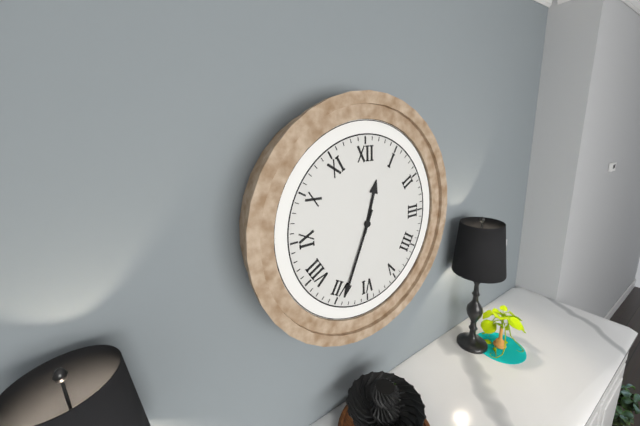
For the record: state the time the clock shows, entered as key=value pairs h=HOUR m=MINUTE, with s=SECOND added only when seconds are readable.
h=12 m=34
